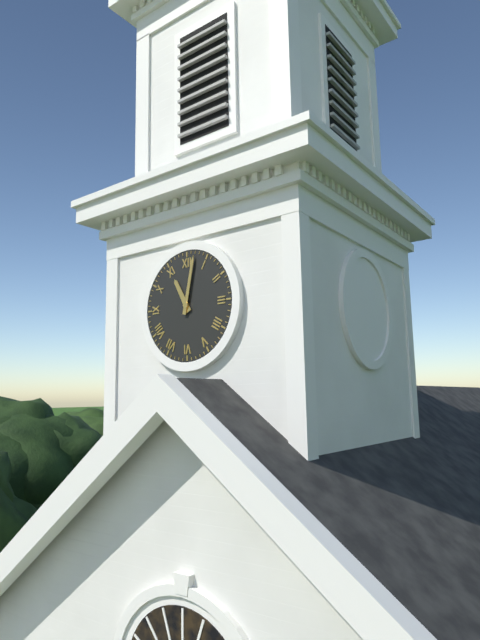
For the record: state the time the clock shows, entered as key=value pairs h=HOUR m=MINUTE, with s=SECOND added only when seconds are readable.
h=11 m=2
